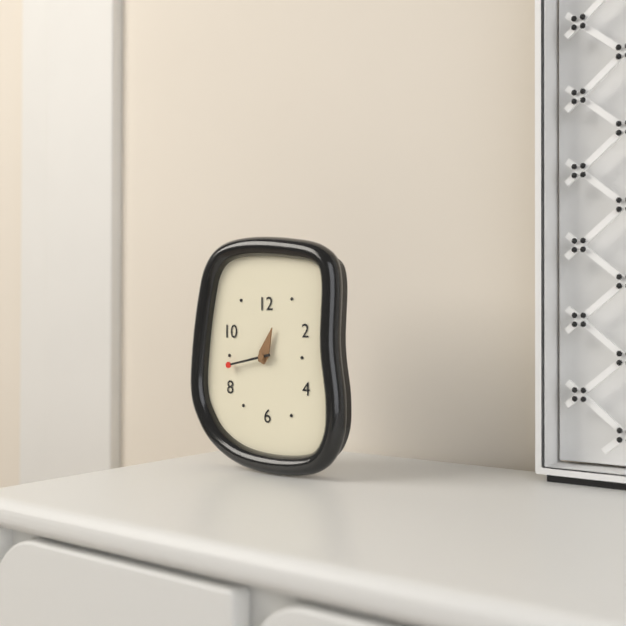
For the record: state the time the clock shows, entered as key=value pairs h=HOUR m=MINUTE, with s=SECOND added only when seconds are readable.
h=12 m=43
